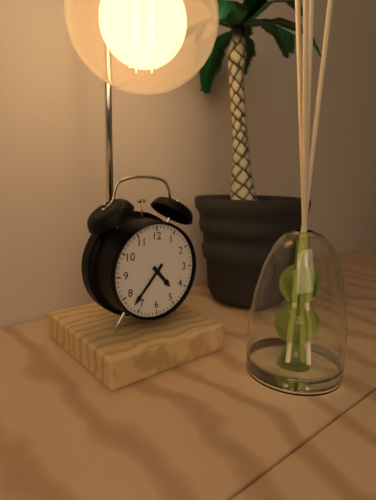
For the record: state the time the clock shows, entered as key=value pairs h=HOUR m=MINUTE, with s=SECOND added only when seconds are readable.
h=4 m=37
